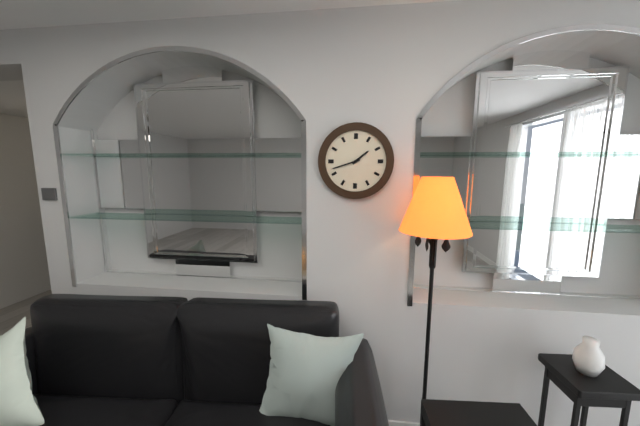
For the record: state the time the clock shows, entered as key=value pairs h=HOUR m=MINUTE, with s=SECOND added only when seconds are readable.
h=1 m=42
